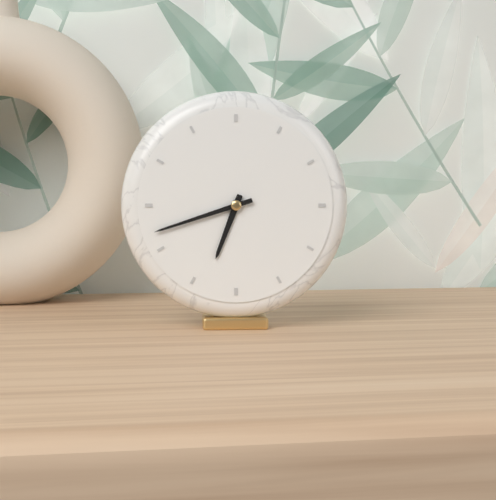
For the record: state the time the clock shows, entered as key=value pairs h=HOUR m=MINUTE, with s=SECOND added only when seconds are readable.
h=6 m=42
